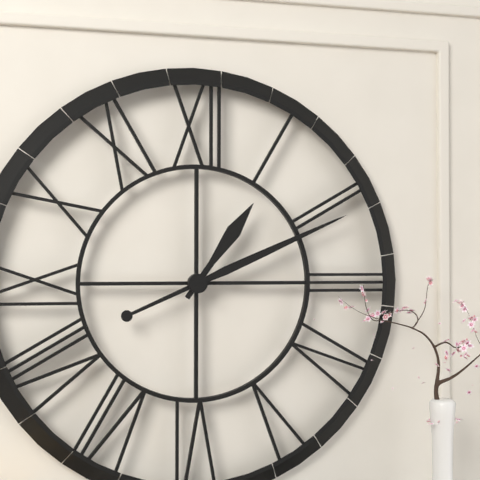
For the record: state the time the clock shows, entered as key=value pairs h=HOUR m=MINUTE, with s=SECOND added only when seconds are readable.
h=1 m=11
